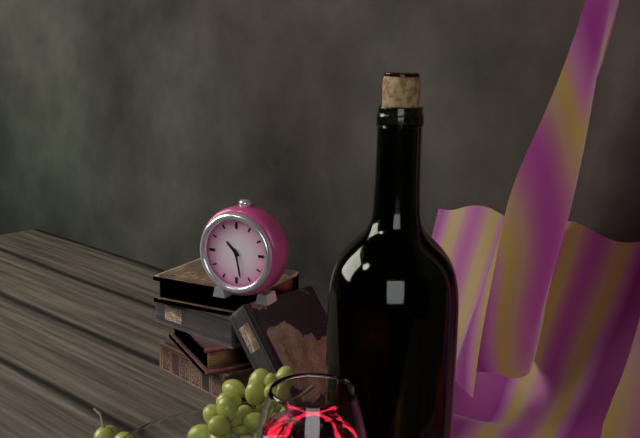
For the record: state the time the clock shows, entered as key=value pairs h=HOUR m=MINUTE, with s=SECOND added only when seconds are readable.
h=10 m=28
